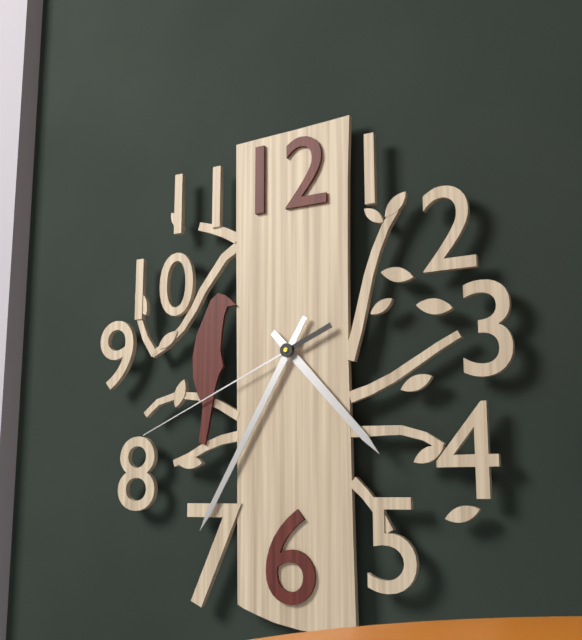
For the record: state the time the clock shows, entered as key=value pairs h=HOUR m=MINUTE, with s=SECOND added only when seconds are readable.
h=4 m=35 s=41
